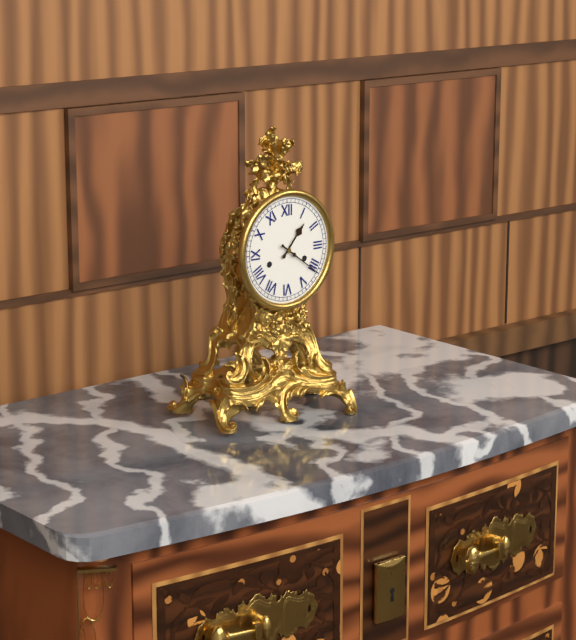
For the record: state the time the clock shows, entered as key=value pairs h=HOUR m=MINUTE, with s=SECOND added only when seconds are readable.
h=1 m=21
